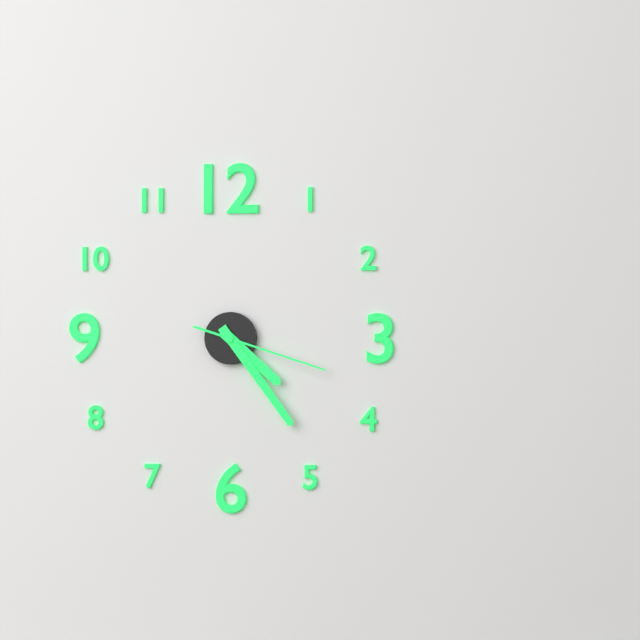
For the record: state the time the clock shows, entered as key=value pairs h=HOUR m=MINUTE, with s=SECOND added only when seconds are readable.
h=4 m=24 s=18
